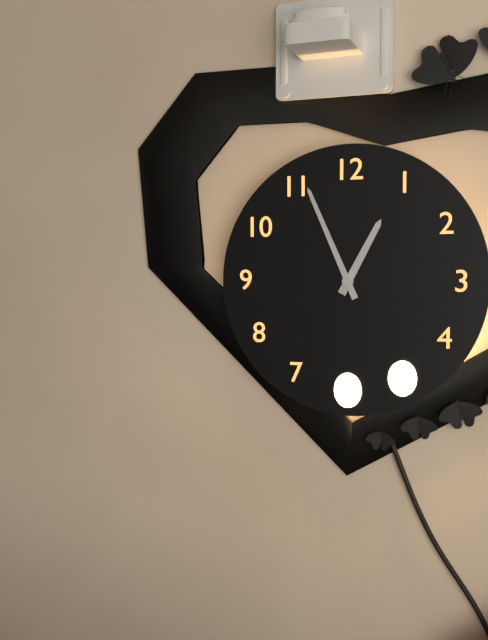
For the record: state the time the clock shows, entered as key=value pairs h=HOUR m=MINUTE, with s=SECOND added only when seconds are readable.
h=12 m=56
